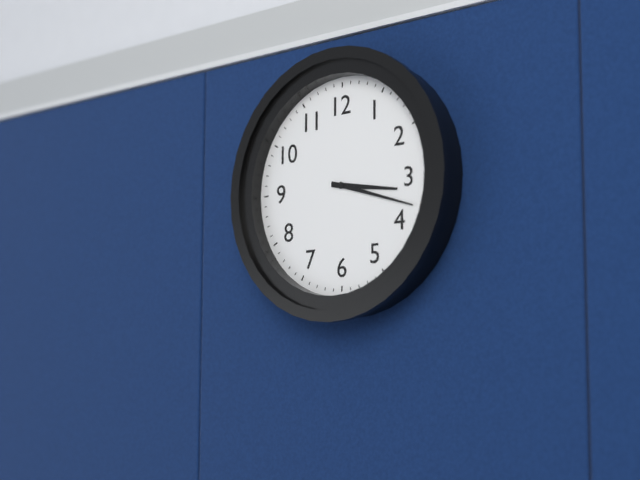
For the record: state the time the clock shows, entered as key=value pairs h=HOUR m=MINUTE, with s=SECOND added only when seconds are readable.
h=3 m=18
